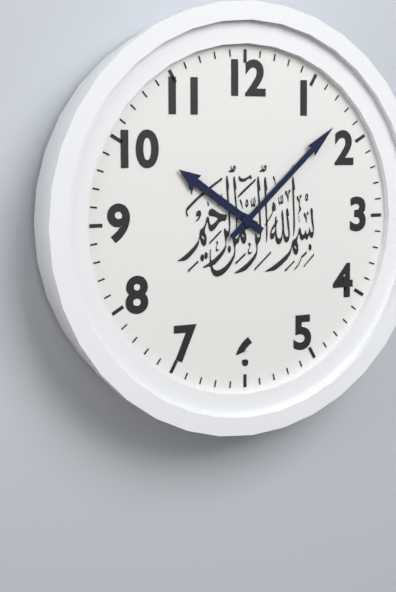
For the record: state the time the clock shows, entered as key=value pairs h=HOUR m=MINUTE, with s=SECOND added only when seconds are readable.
h=10 m=8
